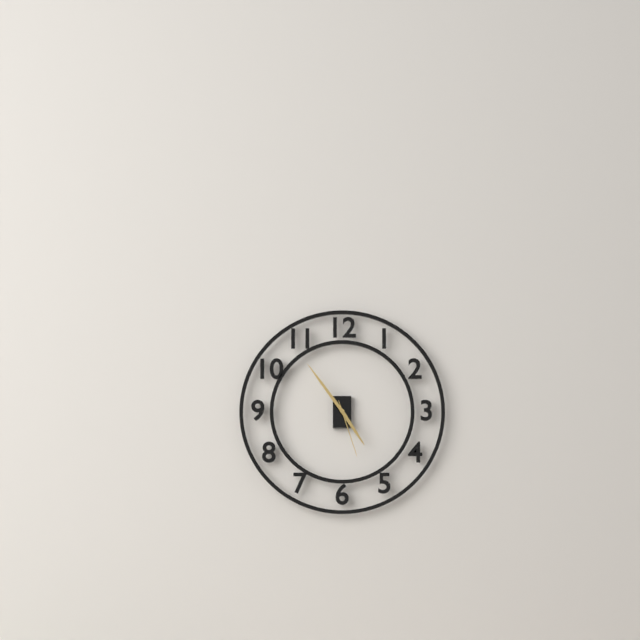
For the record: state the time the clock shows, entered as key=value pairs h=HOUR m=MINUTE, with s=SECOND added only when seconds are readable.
h=4 m=54 s=27
